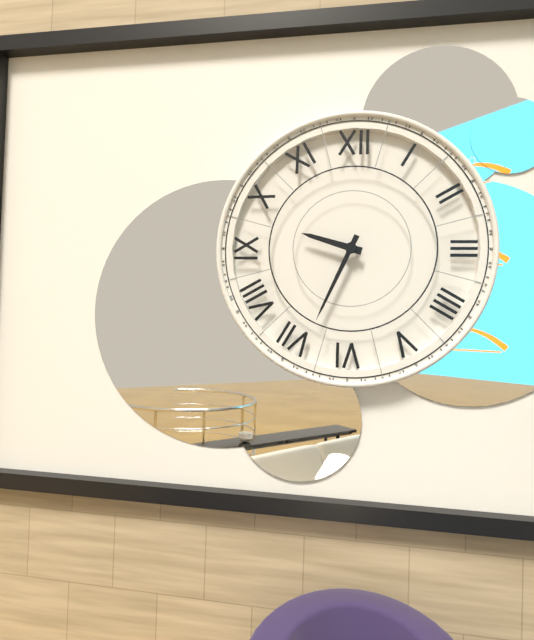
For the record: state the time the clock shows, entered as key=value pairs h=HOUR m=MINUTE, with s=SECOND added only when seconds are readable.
h=9 m=34
